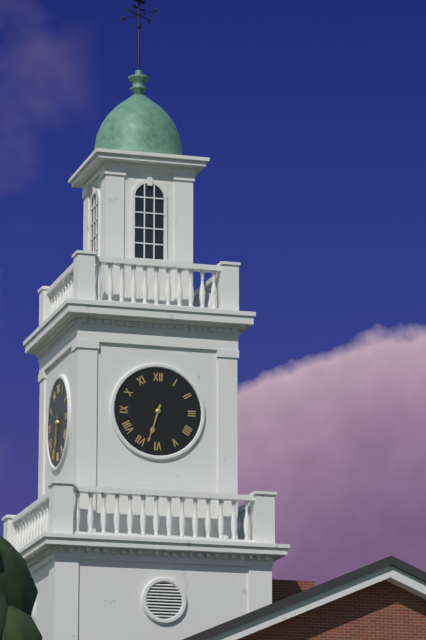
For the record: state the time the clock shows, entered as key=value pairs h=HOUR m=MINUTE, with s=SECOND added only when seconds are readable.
h=6 m=33
